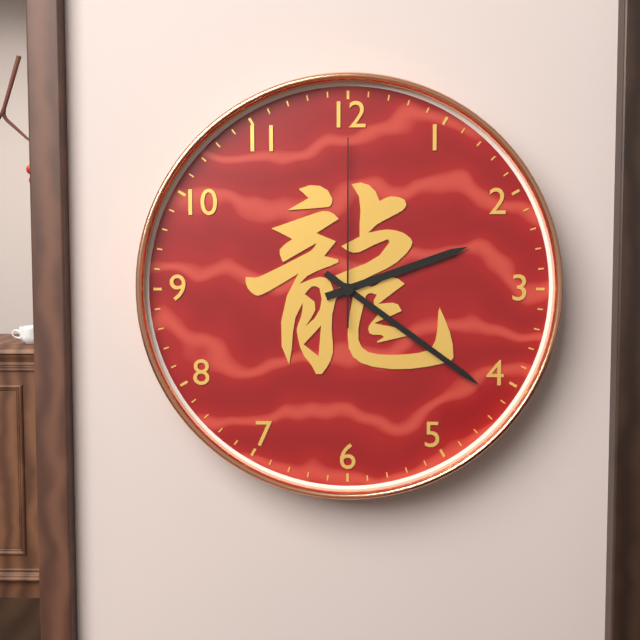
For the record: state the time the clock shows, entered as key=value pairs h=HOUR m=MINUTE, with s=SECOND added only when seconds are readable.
h=2 m=21 s=0
